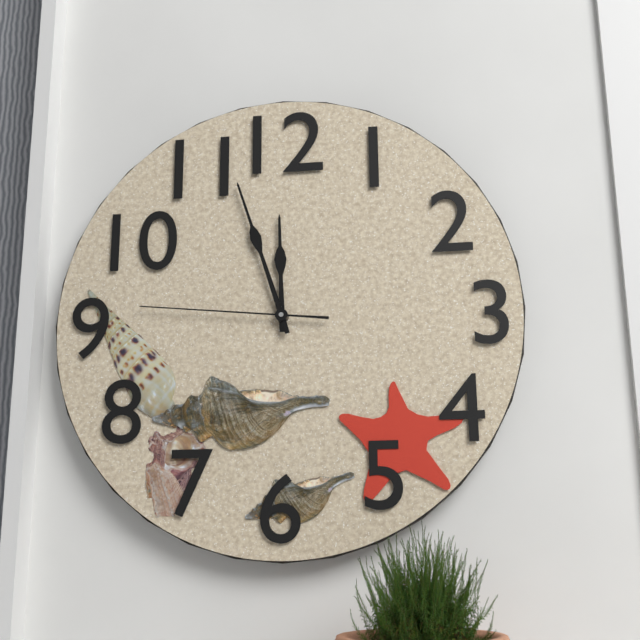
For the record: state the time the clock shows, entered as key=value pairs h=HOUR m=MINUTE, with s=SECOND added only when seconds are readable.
h=11 m=57 s=46
